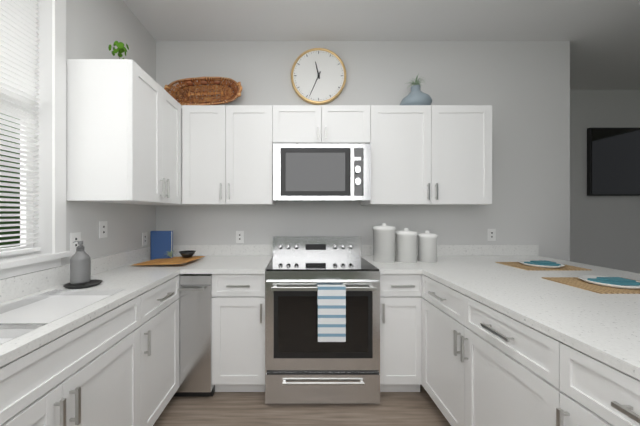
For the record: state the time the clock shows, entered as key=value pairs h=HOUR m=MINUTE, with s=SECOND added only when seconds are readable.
h=11 m=34
